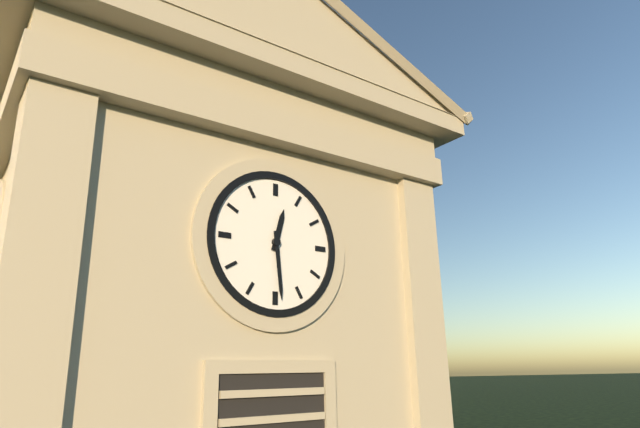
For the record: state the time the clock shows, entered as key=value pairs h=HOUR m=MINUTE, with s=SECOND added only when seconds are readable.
h=12 m=29
